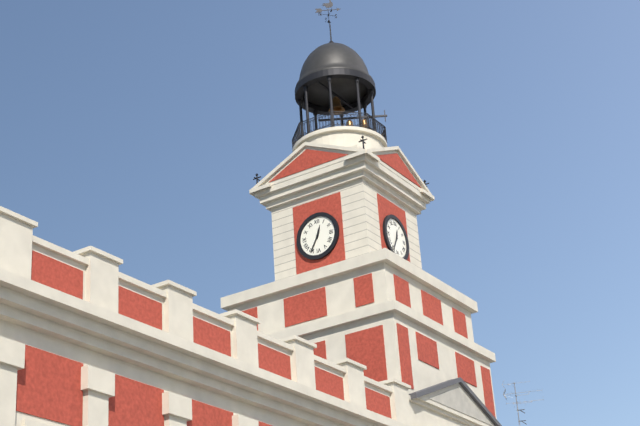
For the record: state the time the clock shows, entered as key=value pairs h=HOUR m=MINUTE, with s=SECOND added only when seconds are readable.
h=12 m=35
